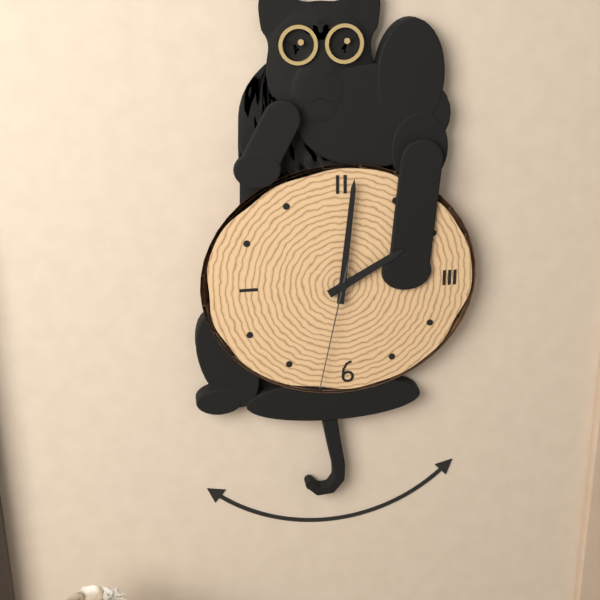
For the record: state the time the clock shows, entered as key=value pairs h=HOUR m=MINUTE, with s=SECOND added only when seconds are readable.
h=2 m=1 s=32
